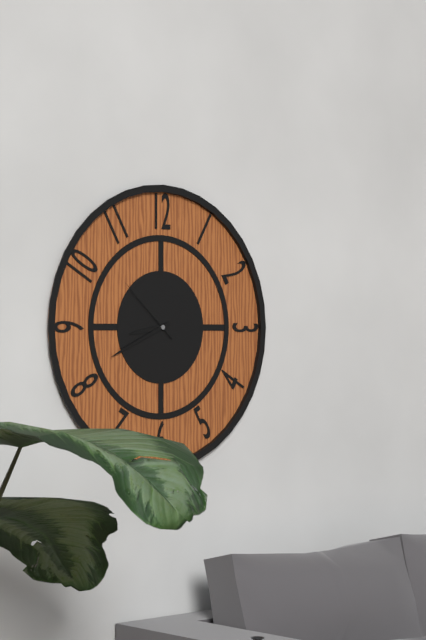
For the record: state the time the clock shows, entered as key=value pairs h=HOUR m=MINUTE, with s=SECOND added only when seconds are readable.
h=8 m=41 s=52
